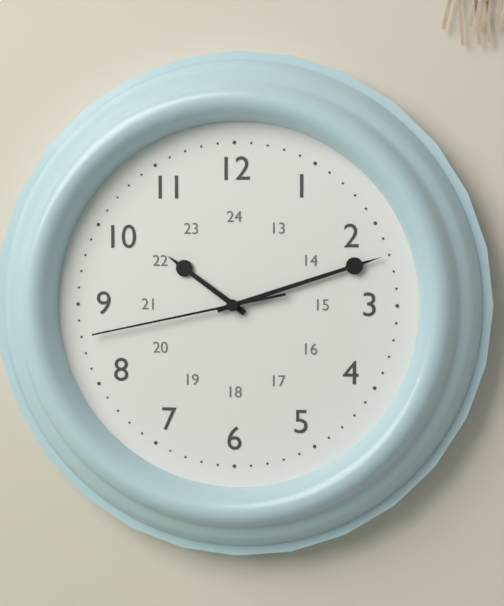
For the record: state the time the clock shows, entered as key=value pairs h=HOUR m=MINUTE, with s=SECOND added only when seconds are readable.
h=10 m=12 s=43
